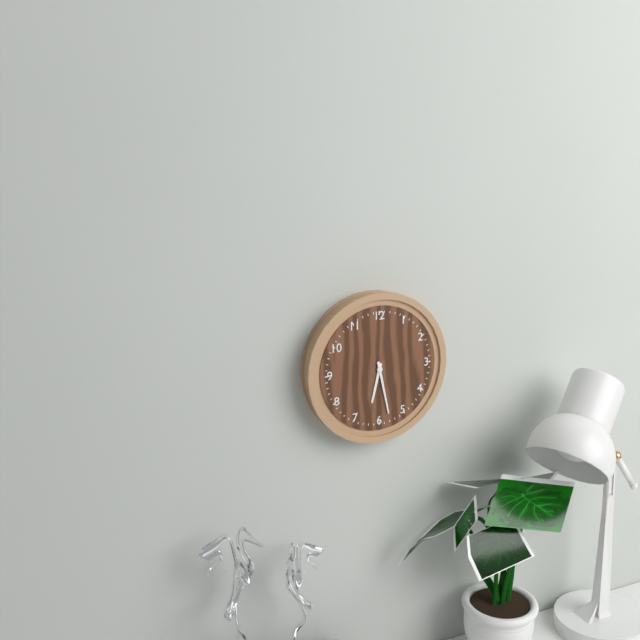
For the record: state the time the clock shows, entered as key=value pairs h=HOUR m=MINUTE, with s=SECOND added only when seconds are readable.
h=6 m=28
